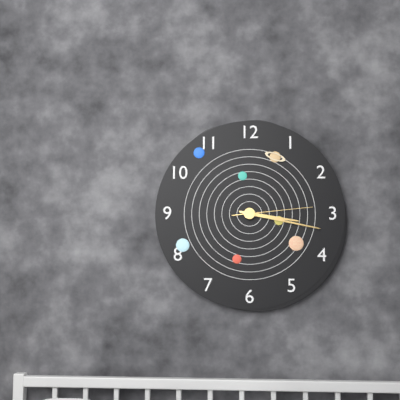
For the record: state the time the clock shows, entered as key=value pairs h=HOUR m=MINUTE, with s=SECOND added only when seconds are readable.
h=3 m=17 s=14
